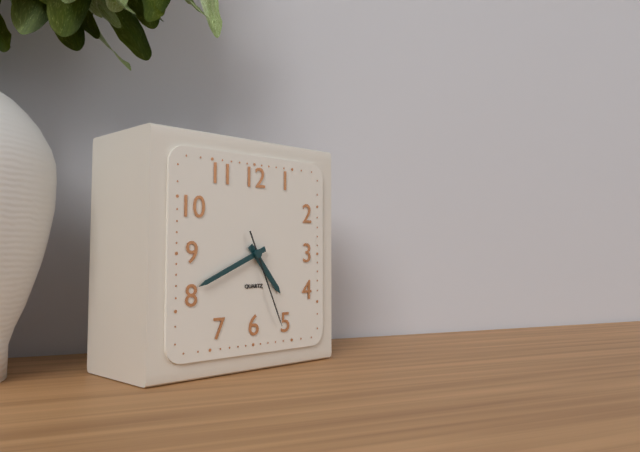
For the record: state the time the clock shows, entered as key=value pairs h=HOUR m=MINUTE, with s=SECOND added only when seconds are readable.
h=4 m=41 s=26
